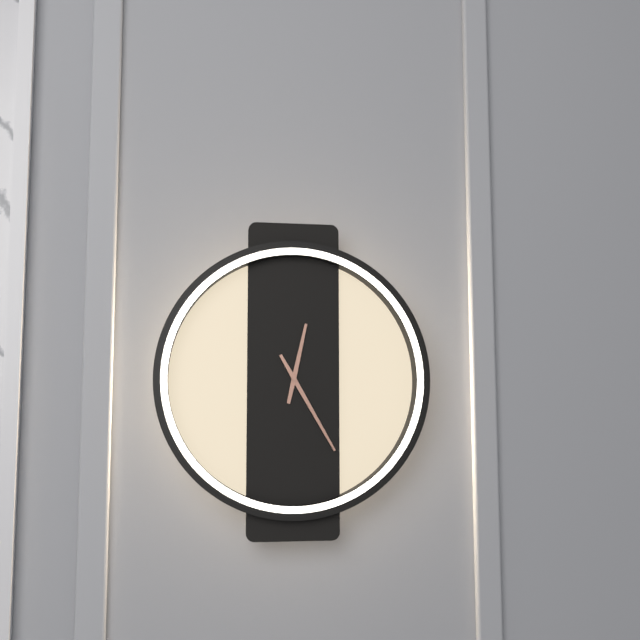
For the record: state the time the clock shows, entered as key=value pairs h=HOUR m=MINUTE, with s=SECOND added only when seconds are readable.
h=12 m=25
